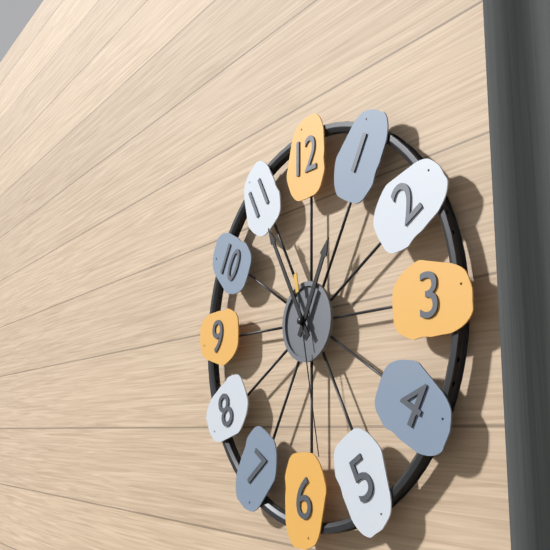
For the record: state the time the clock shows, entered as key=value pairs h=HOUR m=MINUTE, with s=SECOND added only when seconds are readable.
h=12 m=55 s=28
